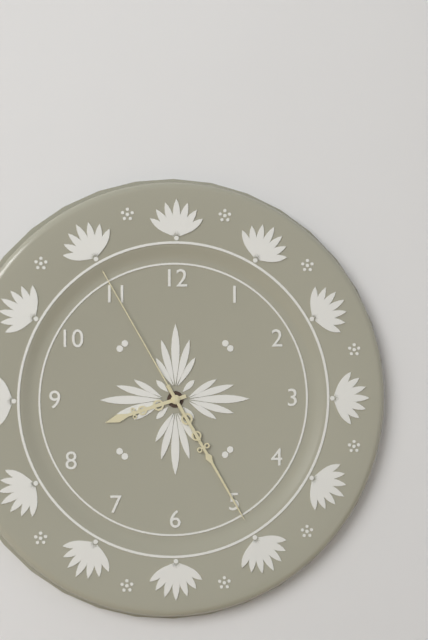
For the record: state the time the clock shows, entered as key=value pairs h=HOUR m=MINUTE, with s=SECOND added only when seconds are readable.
h=8 m=25 s=55
